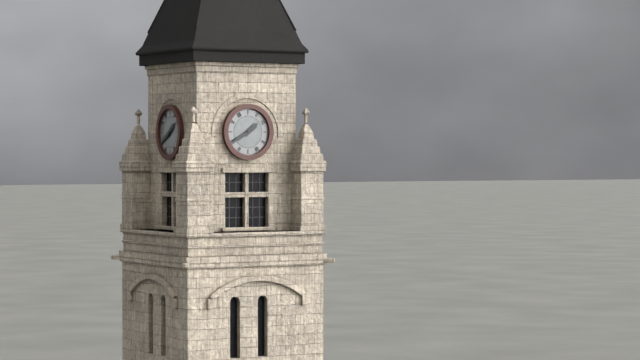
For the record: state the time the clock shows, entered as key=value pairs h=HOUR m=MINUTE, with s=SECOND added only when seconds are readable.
h=1 m=40
